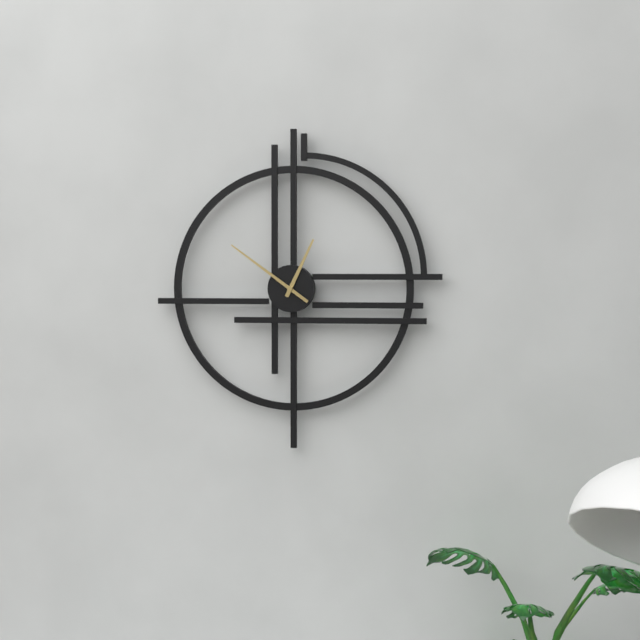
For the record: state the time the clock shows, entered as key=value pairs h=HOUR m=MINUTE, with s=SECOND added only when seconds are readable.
h=12 m=51
